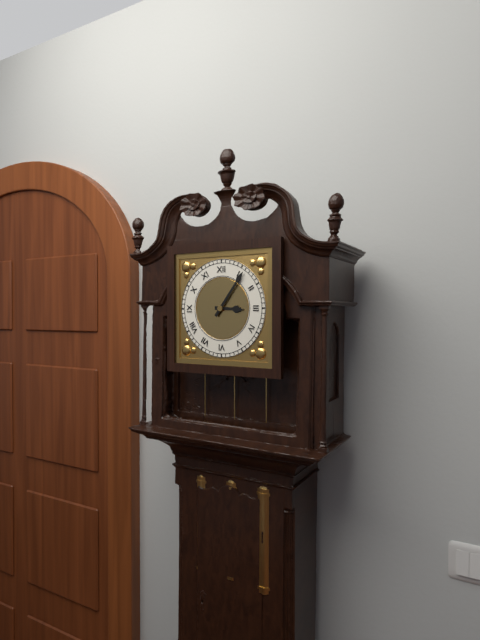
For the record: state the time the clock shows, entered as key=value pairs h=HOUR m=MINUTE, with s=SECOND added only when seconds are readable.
h=3 m=6
